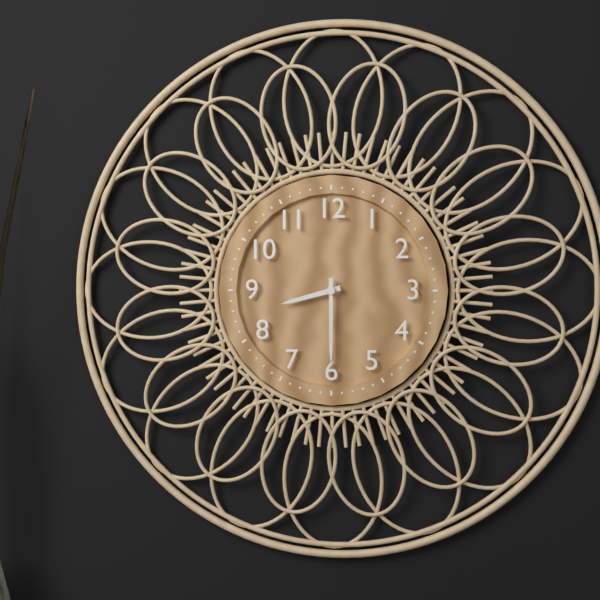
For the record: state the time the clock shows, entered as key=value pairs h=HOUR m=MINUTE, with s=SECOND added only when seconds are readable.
h=8 m=30
